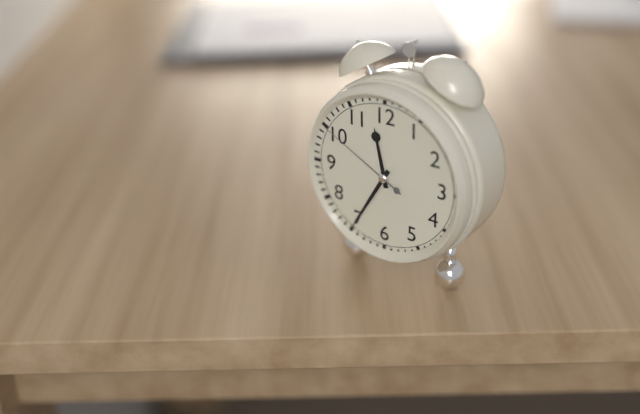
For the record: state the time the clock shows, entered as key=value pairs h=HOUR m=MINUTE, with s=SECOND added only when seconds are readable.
h=11 m=35 s=50
